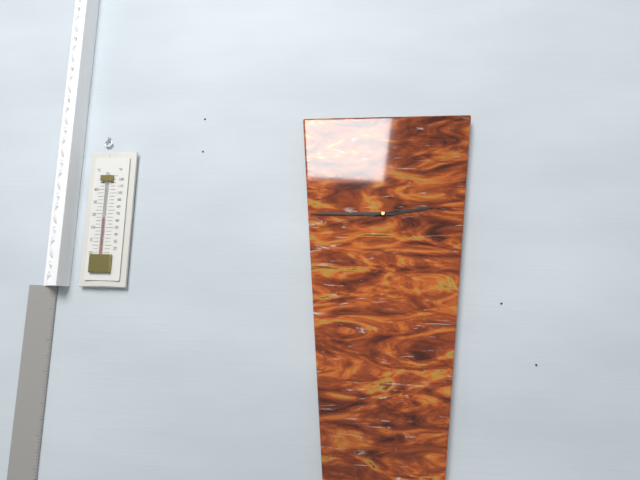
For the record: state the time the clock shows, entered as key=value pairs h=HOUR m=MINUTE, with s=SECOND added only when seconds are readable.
h=2 m=45 s=43
